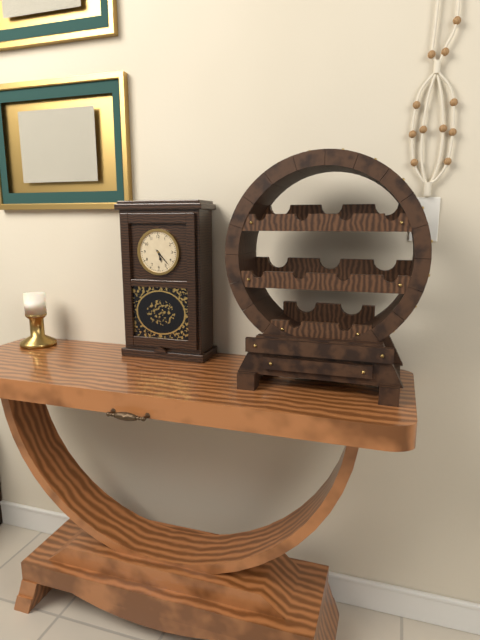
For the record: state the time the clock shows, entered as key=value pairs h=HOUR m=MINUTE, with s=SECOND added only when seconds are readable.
h=5 m=23
